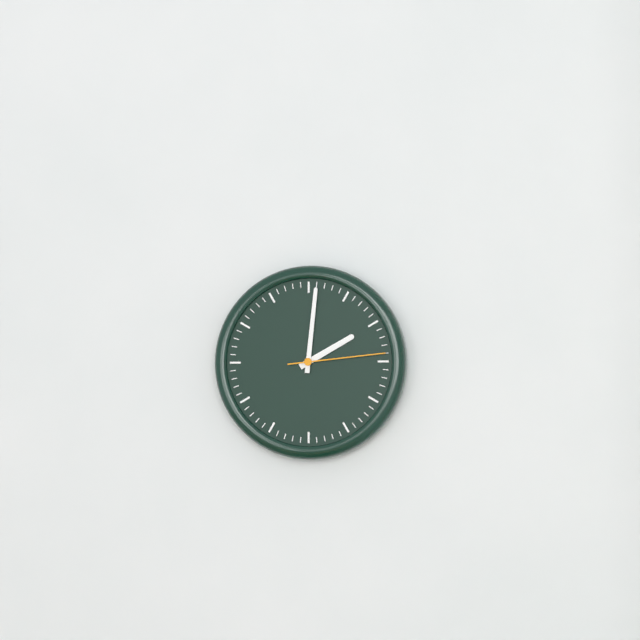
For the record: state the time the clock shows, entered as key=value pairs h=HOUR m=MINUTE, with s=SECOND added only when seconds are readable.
h=2 m=1 s=14
